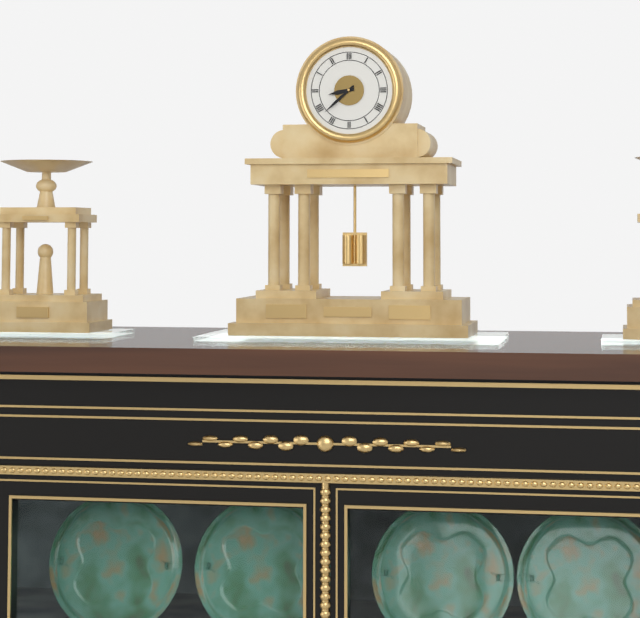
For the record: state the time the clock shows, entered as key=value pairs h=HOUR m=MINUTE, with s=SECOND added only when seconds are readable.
h=8 m=38
